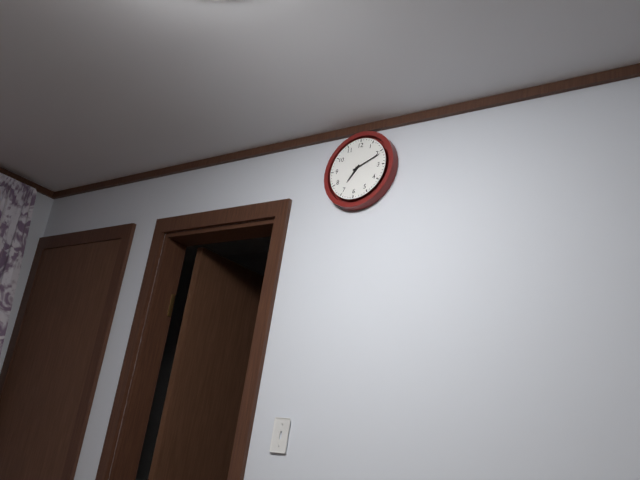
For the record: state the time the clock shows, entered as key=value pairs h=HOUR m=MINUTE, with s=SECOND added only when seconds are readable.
h=7 m=11
